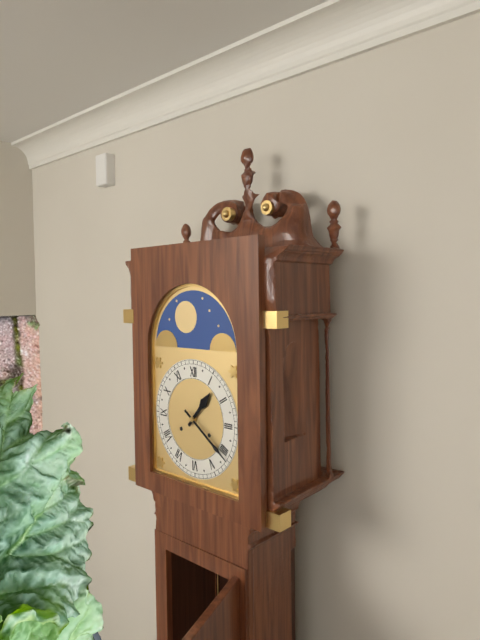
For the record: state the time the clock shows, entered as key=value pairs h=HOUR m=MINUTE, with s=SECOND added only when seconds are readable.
h=1 m=21
